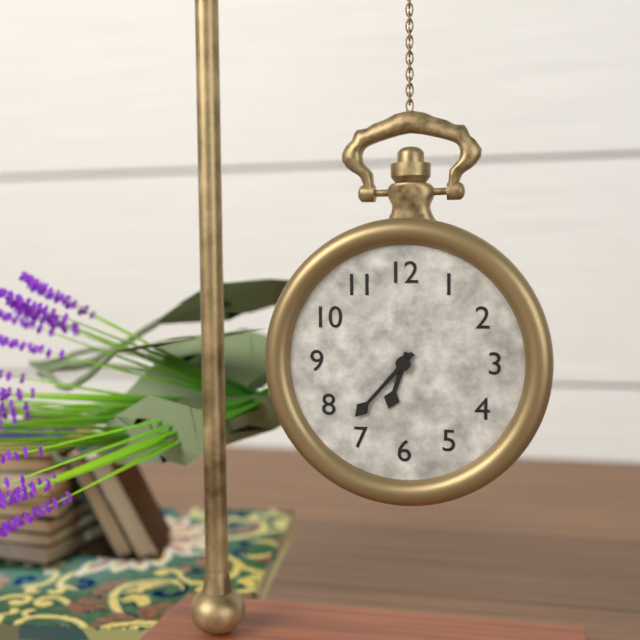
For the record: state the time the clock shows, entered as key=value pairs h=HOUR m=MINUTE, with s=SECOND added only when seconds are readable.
h=6 m=37
